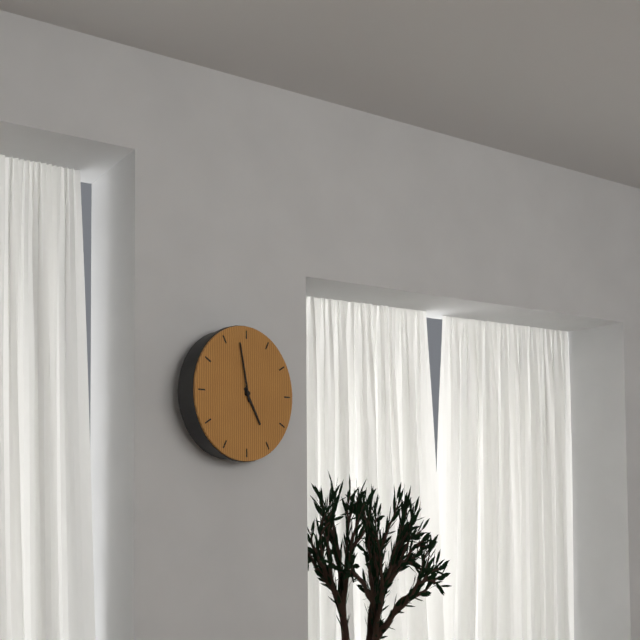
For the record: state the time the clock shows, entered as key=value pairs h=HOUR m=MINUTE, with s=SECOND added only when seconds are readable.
h=4 m=58
